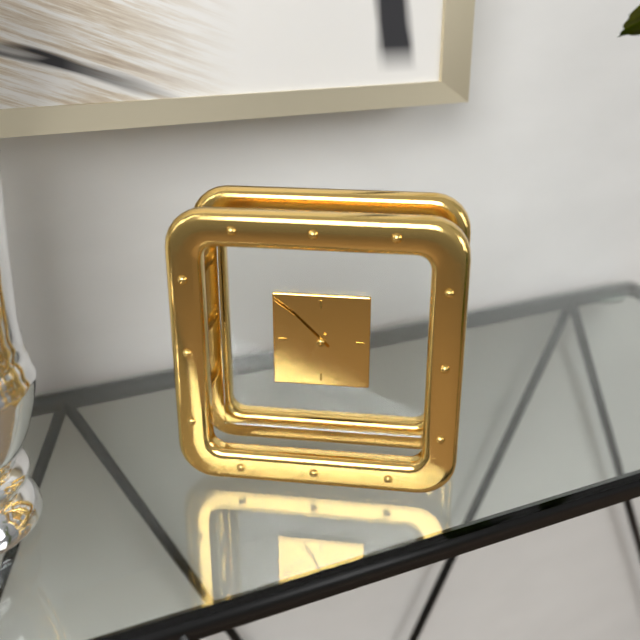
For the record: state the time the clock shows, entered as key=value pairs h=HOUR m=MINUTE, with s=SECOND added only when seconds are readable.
h=6 m=52
